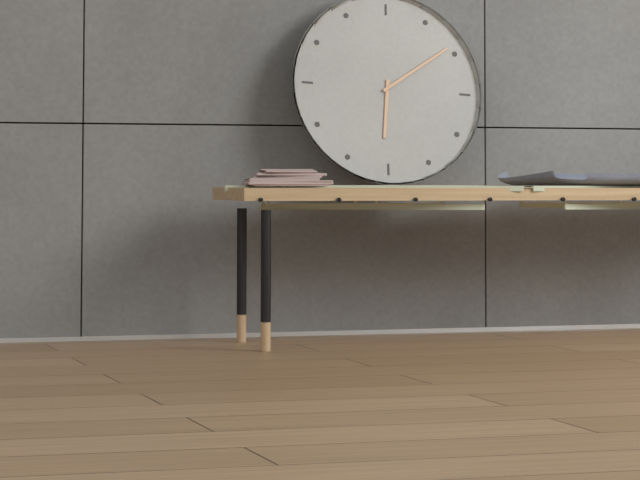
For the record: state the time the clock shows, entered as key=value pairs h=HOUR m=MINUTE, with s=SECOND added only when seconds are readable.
h=6 m=9
